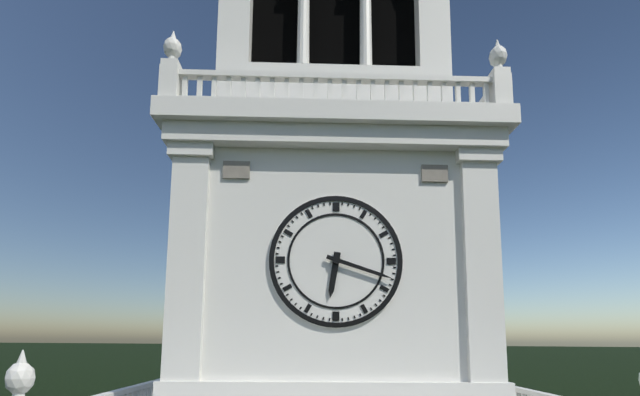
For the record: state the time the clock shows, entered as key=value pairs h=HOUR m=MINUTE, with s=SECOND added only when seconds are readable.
h=6 m=18
